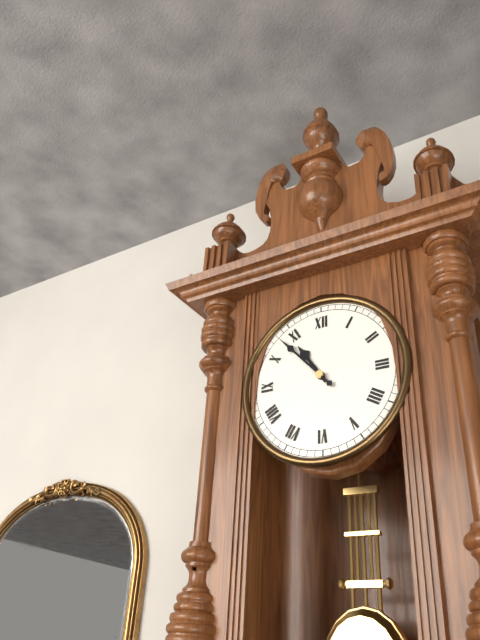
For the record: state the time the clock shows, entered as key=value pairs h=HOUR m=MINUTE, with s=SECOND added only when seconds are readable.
h=10 m=53
